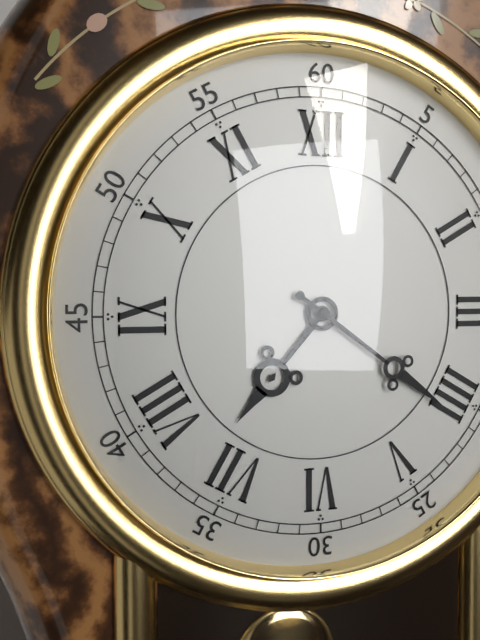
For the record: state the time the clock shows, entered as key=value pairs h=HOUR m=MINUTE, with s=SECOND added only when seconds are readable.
h=7 m=21
